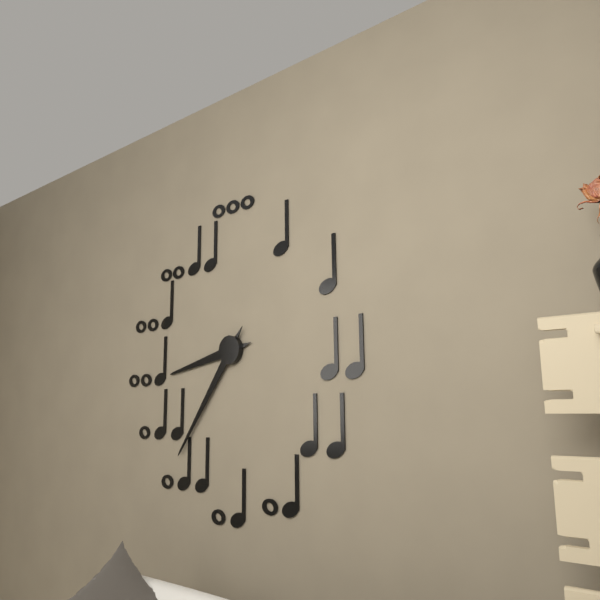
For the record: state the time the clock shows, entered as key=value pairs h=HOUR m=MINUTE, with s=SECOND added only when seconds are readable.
h=8 m=36
